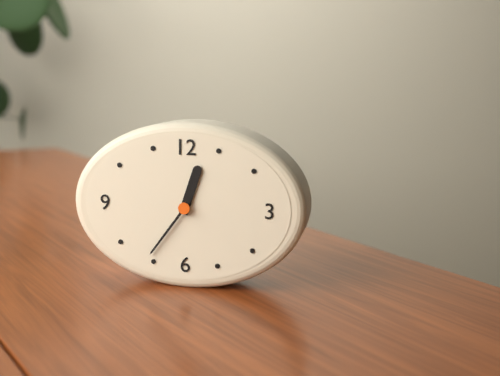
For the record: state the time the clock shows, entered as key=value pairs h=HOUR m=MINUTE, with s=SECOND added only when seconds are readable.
h=12 m=36
